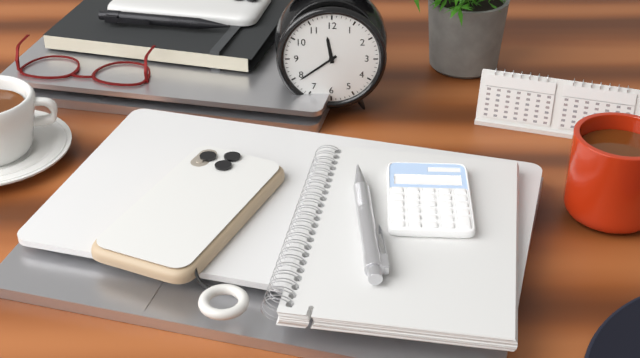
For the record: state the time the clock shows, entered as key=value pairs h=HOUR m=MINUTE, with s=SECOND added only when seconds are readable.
h=11 m=39
